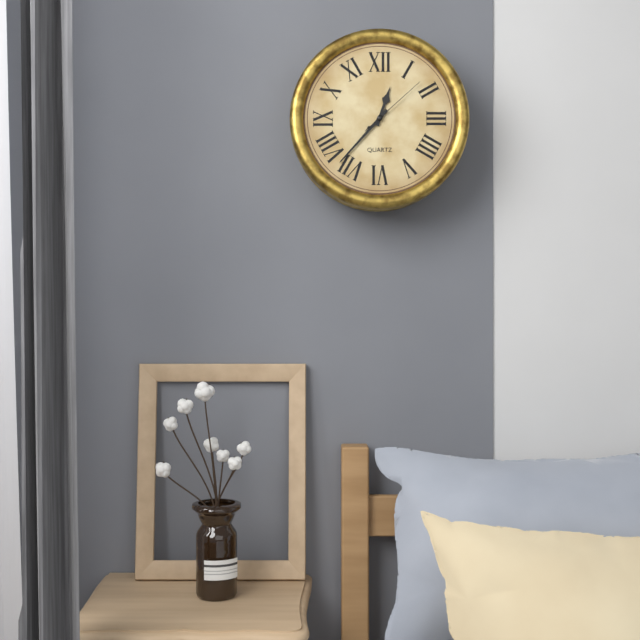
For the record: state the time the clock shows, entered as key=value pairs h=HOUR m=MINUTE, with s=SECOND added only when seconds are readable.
h=12 m=37 s=8
